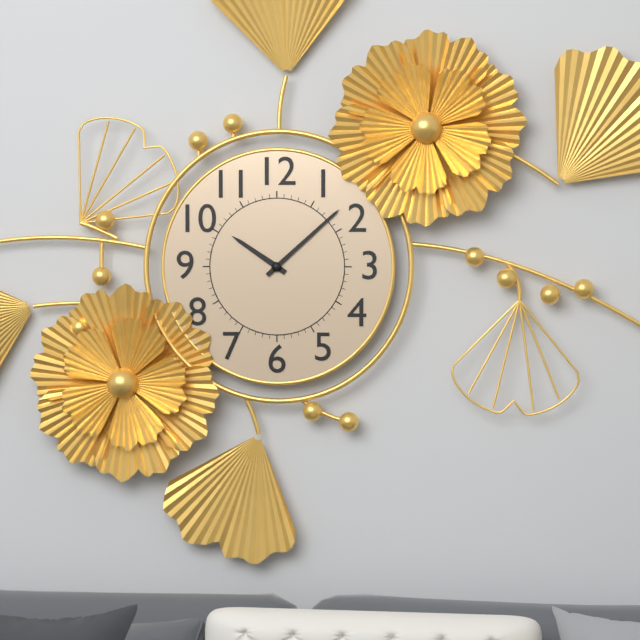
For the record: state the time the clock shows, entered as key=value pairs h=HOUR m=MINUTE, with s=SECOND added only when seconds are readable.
h=10 m=8
